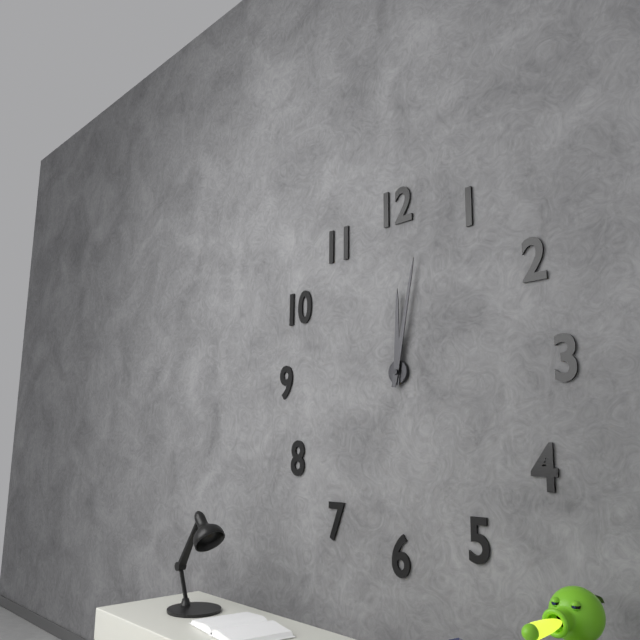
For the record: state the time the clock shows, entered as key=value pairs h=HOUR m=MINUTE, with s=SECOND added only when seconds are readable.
h=12 m=2
